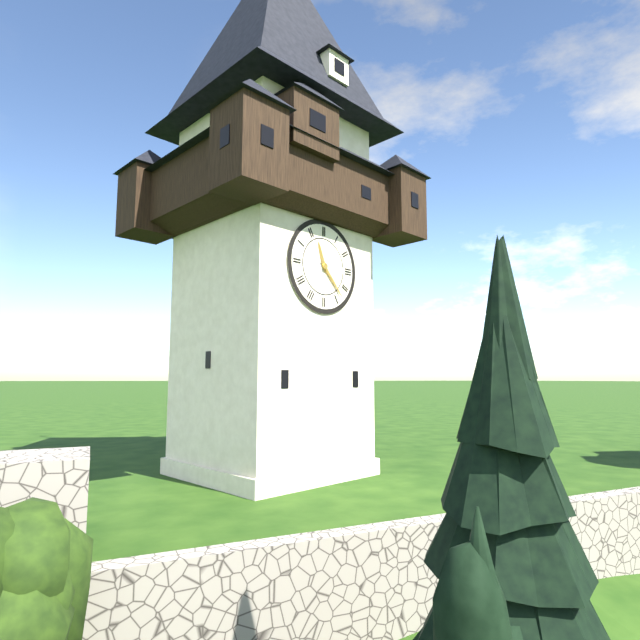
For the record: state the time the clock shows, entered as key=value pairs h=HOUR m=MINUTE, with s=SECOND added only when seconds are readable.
h=11 m=23
